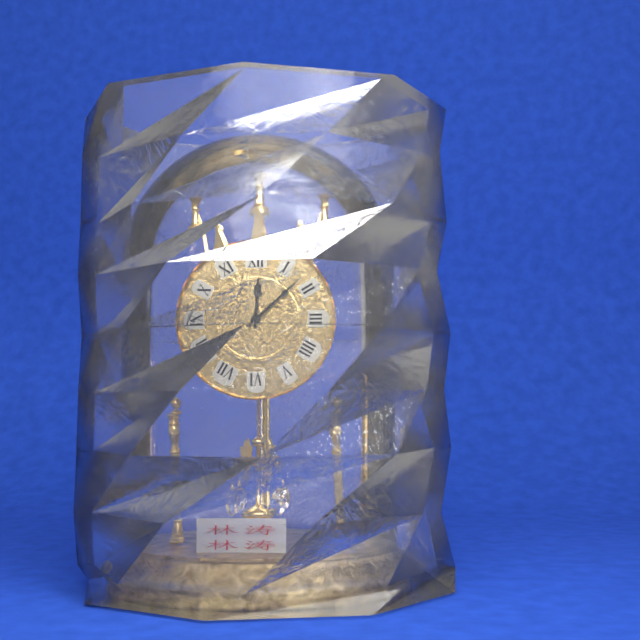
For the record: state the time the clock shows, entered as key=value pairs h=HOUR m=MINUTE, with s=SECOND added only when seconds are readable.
h=12 m=8
